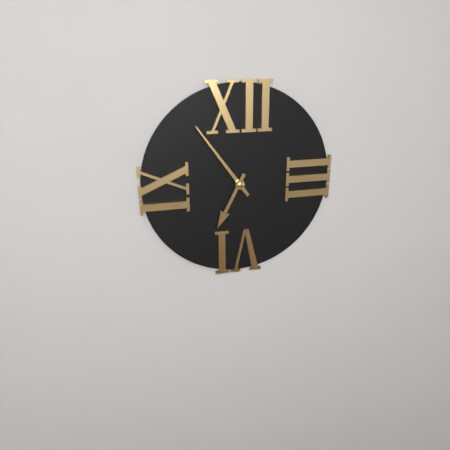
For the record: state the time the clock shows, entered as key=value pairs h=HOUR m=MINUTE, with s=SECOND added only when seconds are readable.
h=6 m=54
